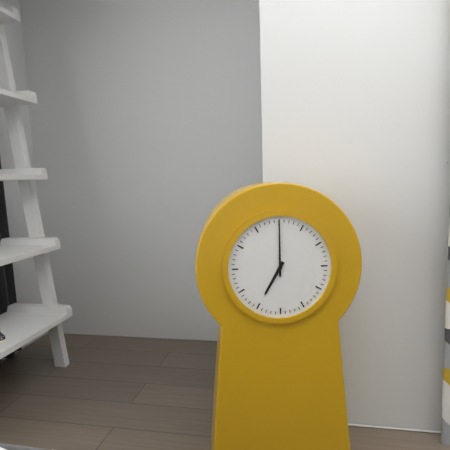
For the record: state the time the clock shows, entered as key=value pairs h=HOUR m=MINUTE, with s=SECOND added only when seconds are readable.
h=7 m=0
